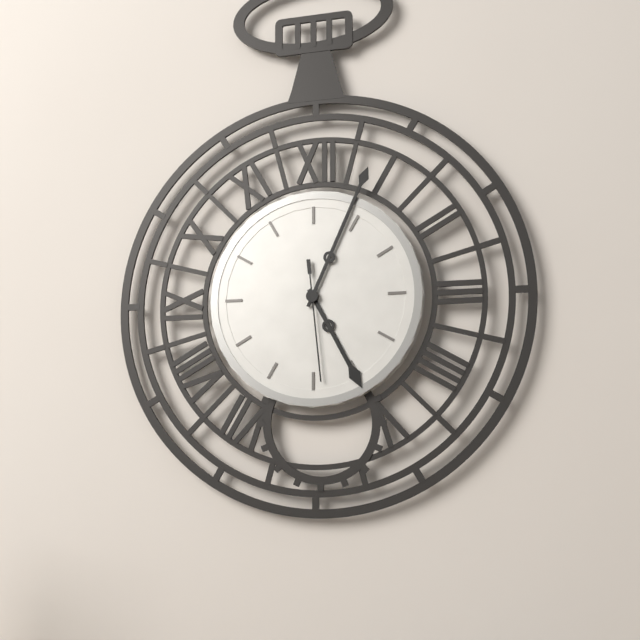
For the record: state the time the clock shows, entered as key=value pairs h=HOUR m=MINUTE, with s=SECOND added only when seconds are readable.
h=5 m=4 s=29
